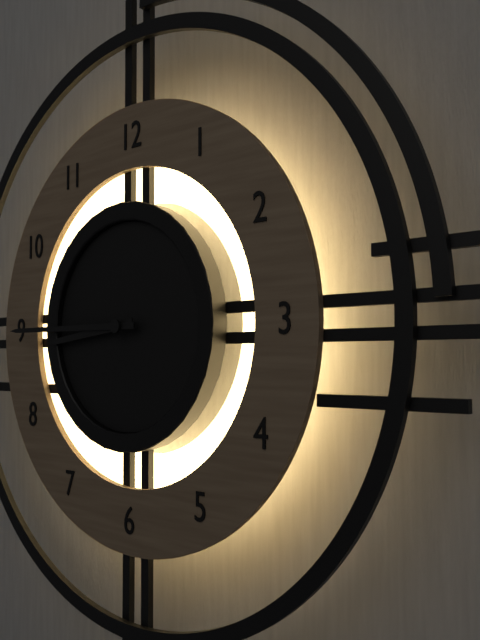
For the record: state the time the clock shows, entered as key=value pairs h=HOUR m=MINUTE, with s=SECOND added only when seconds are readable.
h=8 m=45
